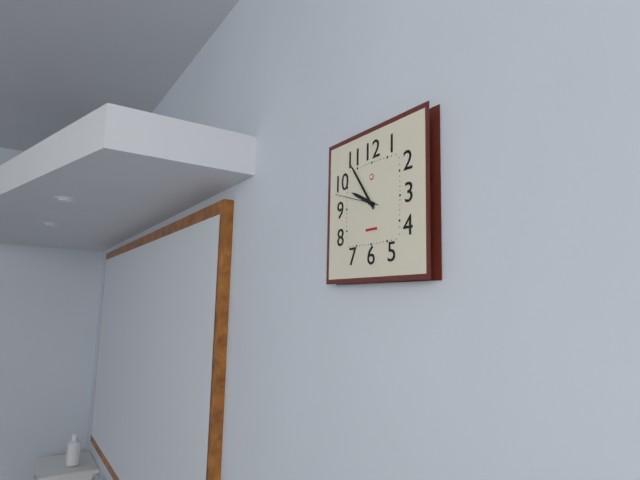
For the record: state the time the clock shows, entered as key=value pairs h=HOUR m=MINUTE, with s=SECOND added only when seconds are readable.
h=9 m=54
